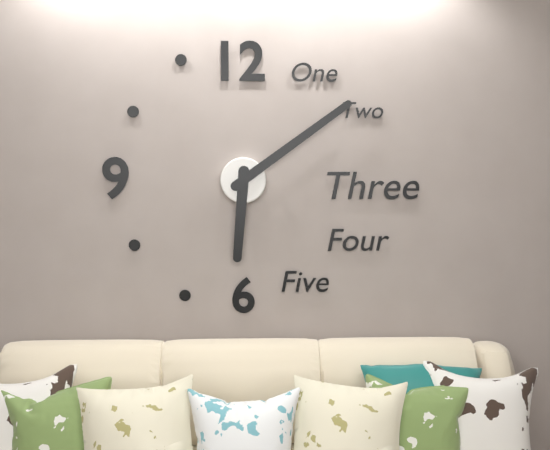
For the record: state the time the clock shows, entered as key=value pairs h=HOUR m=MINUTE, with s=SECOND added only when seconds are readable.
h=6 m=9
